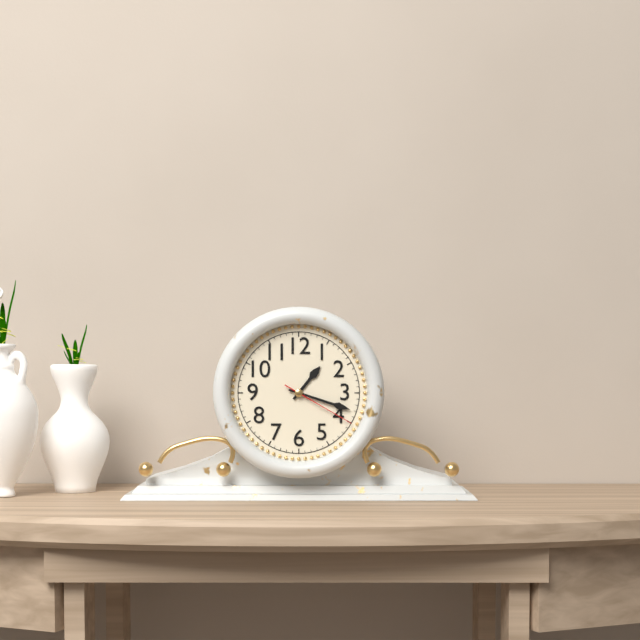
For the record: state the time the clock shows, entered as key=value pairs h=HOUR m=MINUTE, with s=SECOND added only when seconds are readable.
h=1 m=18 s=20
